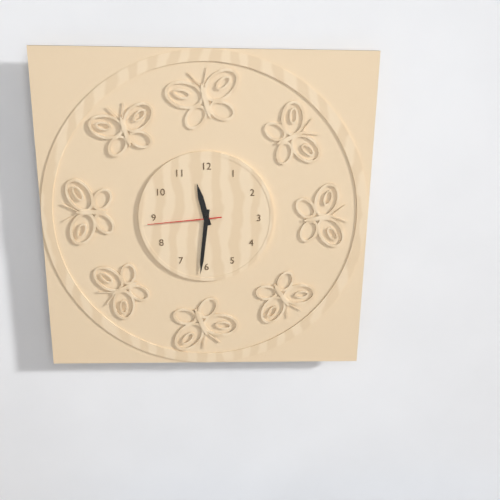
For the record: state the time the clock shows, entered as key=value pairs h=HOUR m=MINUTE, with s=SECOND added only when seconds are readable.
h=11 m=31 s=44
